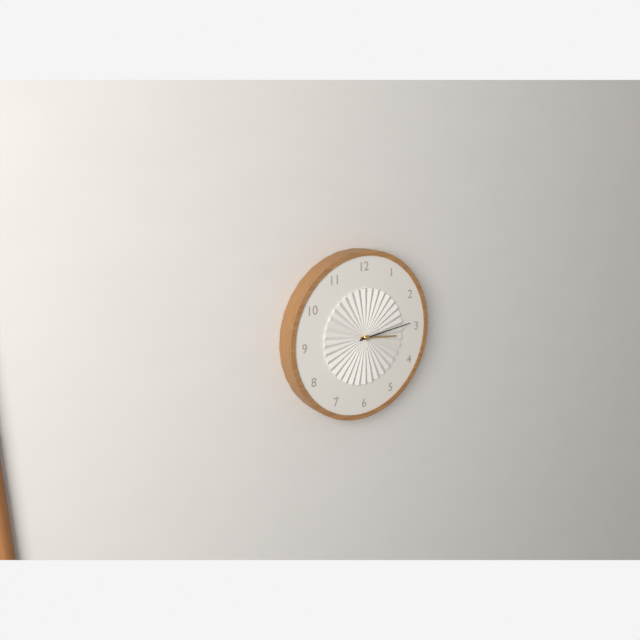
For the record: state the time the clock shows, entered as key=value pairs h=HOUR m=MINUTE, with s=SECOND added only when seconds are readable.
h=3 m=14
